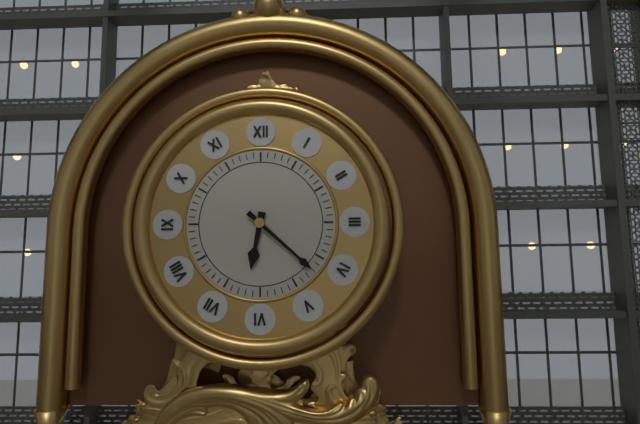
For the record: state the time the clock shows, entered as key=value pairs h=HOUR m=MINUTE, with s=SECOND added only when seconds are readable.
h=6 m=22
